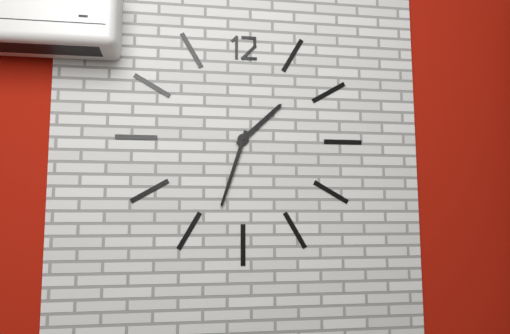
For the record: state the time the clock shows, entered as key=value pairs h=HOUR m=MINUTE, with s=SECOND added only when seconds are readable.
h=1 m=33
